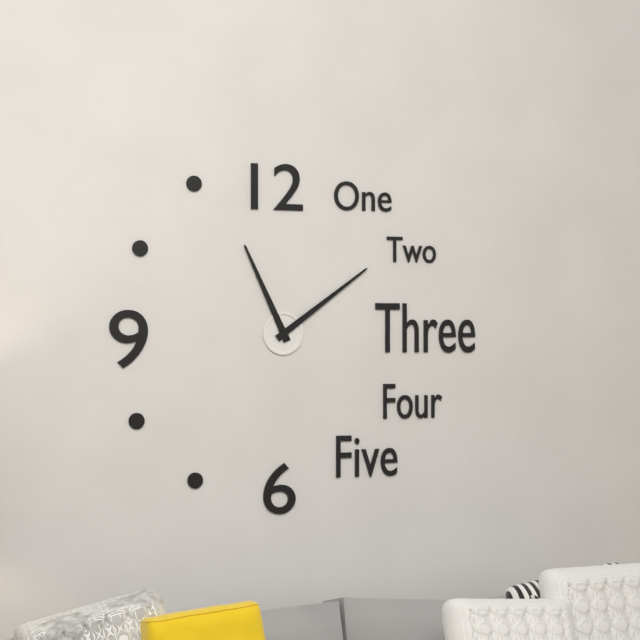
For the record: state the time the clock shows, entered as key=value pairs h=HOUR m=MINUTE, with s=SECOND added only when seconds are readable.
h=11 m=9
